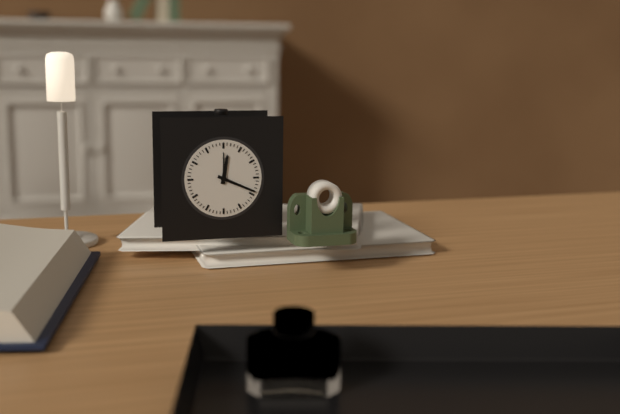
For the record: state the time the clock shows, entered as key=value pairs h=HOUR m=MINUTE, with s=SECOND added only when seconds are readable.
h=12 m=19
